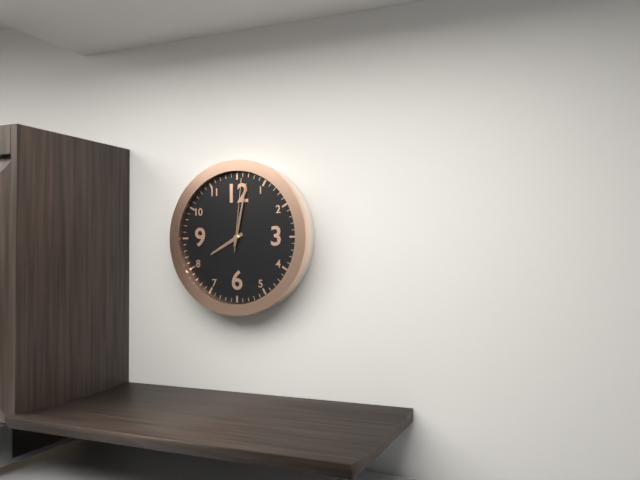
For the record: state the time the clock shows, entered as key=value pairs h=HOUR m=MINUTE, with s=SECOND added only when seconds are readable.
h=8 m=2 s=1
